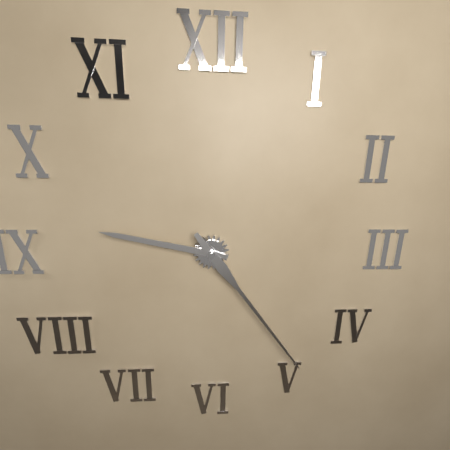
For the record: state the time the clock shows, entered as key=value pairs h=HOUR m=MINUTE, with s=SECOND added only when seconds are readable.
h=9 m=24
